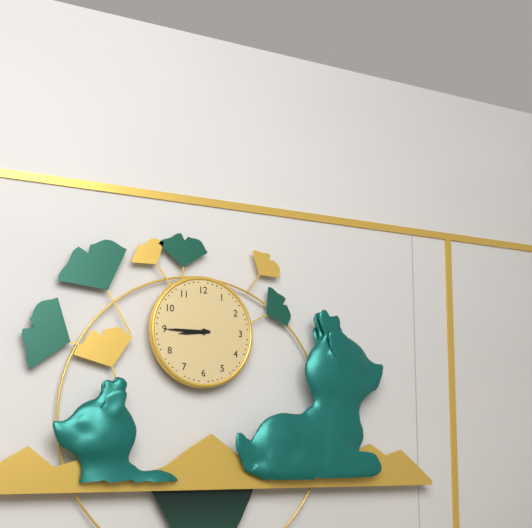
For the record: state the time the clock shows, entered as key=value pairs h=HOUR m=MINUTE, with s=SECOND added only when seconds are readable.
h=8 m=45
